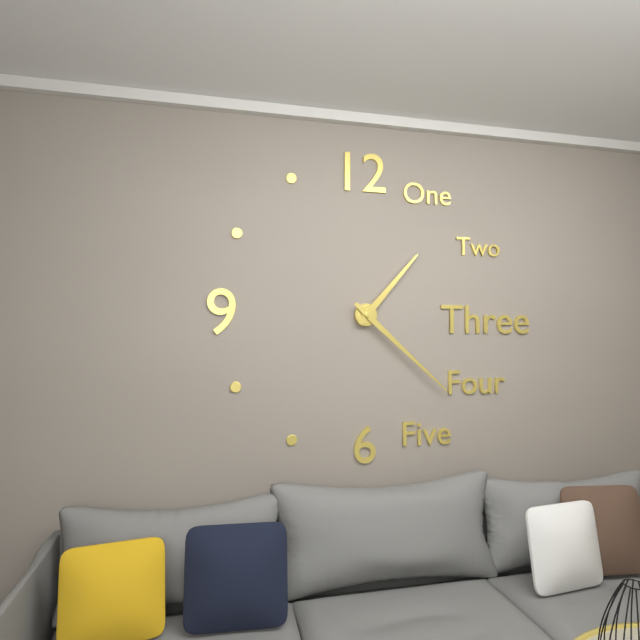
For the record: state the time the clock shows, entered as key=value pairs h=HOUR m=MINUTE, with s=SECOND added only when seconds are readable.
h=1 m=22
